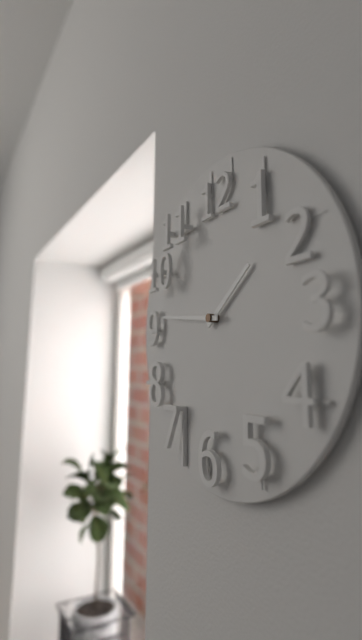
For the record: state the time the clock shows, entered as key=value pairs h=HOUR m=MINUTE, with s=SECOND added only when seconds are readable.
h=1 m=46
